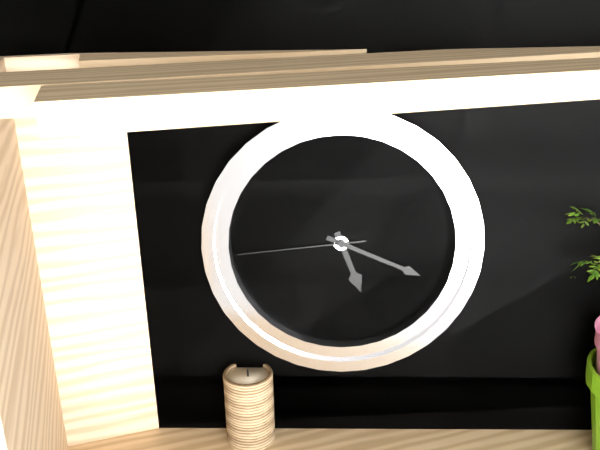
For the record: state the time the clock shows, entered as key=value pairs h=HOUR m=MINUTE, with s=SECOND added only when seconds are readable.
h=5 m=19 s=44
